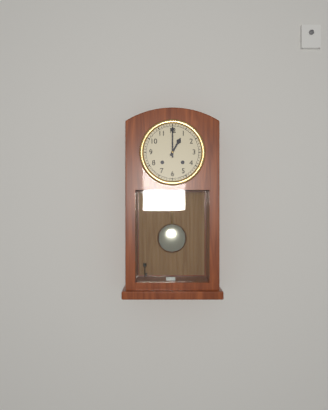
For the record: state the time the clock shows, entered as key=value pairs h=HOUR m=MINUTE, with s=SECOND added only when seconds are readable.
h=1 m=0
